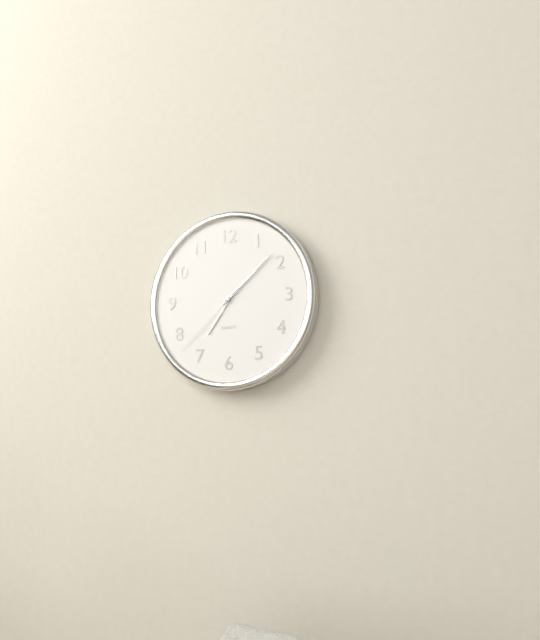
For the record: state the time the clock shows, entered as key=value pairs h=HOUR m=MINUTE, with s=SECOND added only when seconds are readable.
h=7 m=8 s=38
